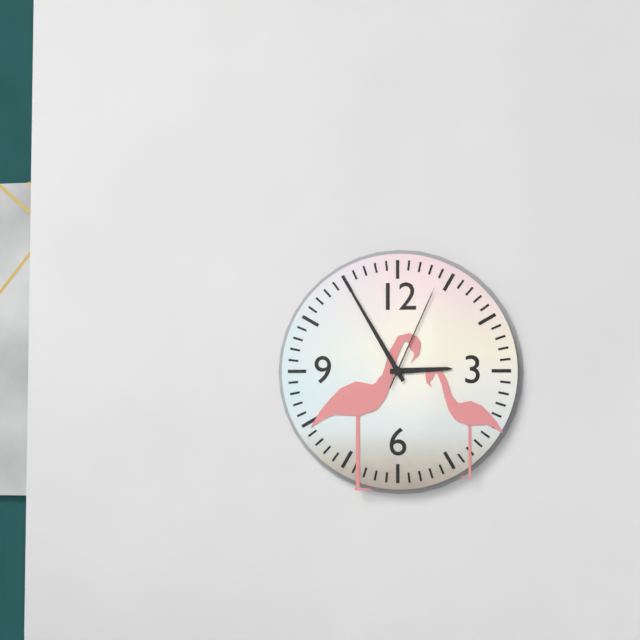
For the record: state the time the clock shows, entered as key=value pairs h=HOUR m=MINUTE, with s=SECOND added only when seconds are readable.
h=2 m=55 s=4
